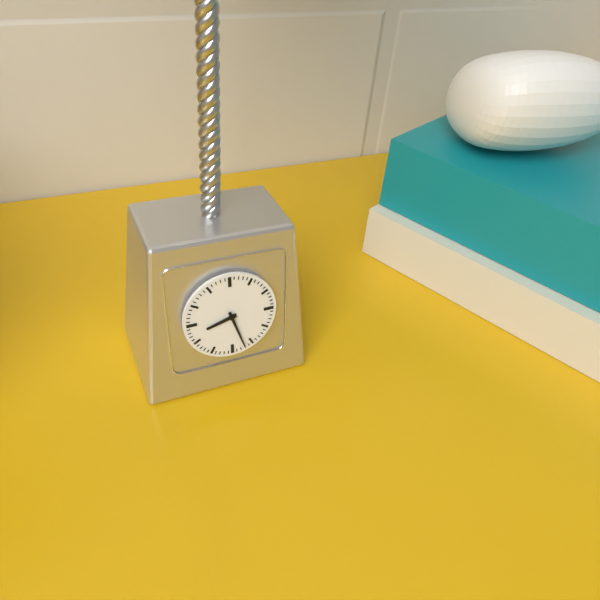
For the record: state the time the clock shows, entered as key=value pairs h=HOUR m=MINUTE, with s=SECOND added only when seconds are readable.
h=8 m=27
